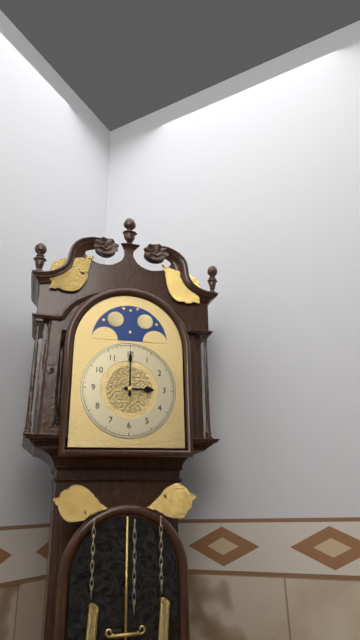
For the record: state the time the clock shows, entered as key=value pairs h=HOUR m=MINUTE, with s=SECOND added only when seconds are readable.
h=3 m=0
